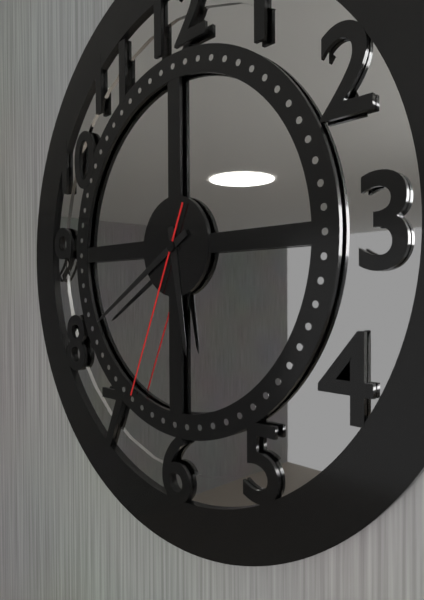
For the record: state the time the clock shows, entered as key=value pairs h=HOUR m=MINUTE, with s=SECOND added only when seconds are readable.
h=5 m=40 s=34
